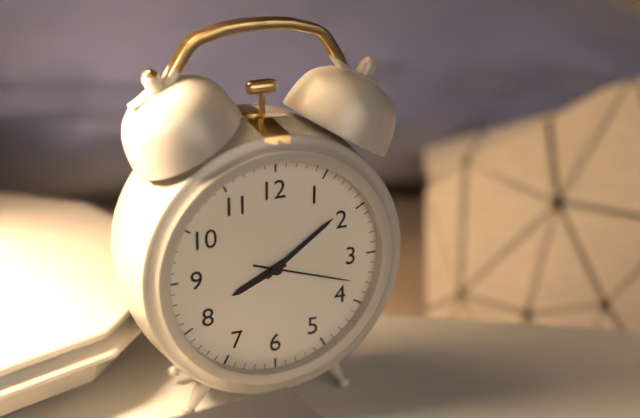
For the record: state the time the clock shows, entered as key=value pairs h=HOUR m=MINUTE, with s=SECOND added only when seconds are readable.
h=8 m=9 s=18
